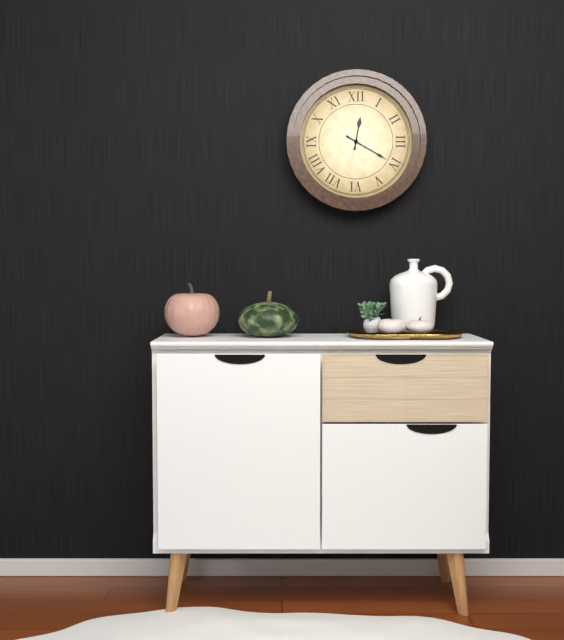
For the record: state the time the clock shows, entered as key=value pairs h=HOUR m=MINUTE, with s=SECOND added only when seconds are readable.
h=12 m=20
